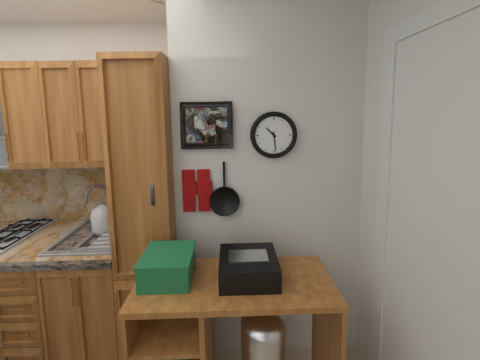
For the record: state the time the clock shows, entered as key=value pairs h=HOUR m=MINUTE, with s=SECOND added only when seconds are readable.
h=10 m=29
